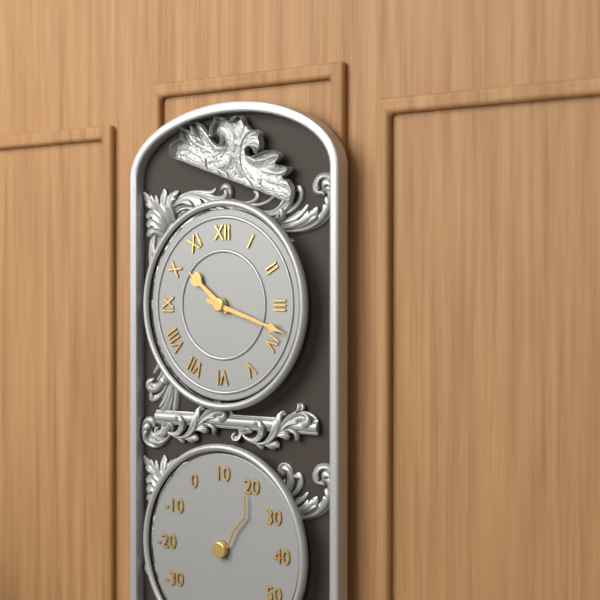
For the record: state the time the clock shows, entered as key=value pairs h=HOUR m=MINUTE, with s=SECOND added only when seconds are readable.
h=10 m=18
